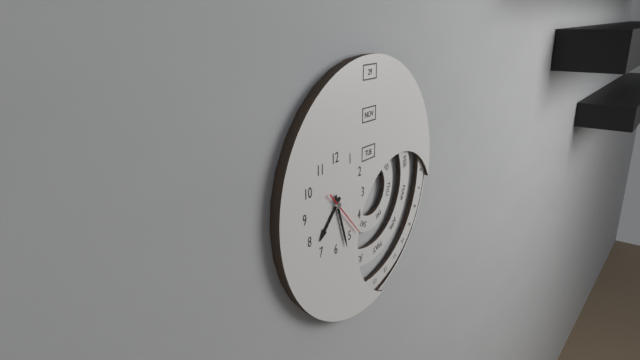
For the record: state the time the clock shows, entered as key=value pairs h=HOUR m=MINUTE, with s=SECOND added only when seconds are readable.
h=7 m=27
